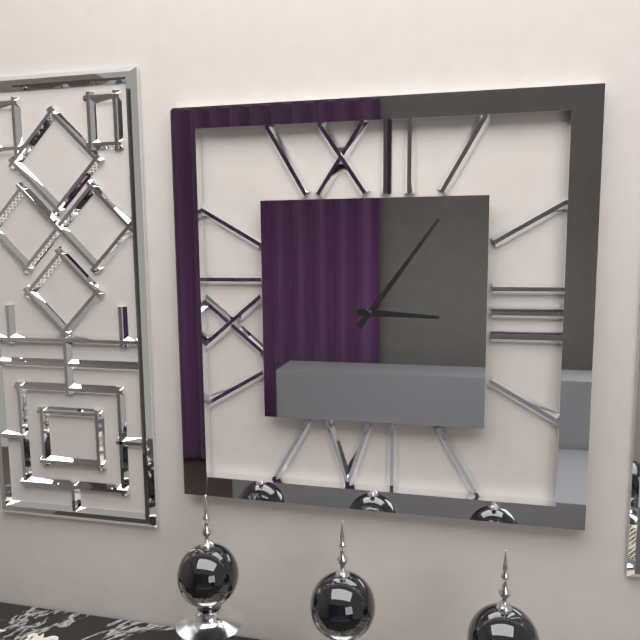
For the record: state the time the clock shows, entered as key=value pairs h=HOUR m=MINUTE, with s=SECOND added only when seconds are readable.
h=3 m=6
